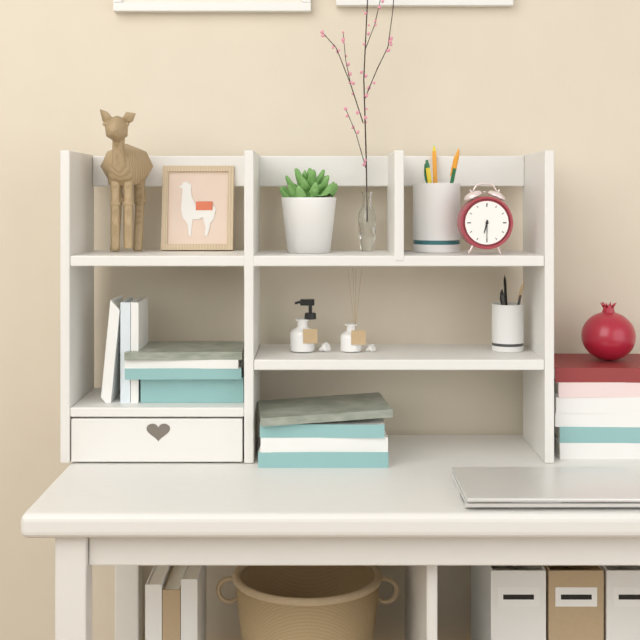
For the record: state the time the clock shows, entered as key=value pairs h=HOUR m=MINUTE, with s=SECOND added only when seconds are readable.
h=6 m=30
